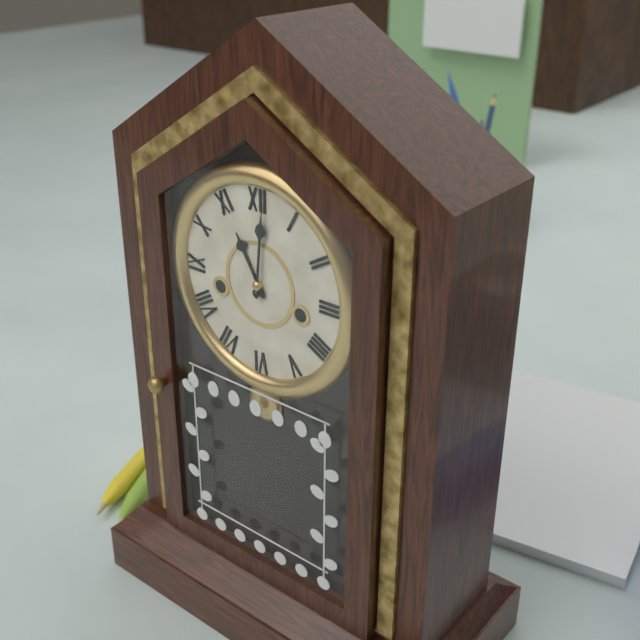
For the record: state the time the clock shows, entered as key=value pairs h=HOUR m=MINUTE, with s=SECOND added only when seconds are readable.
h=11 m=1
